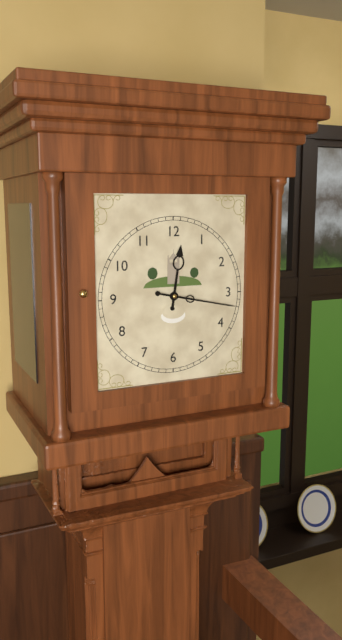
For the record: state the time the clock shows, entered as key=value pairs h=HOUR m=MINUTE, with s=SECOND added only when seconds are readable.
h=12 m=17
